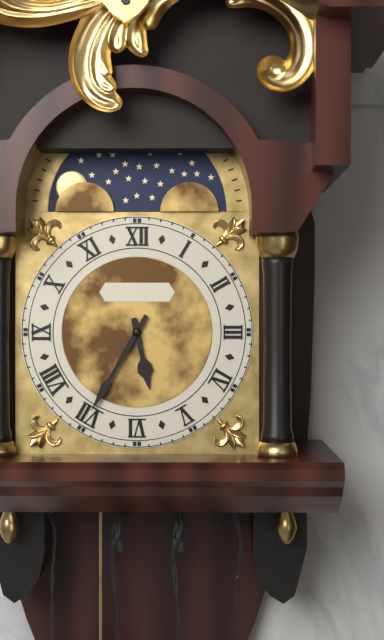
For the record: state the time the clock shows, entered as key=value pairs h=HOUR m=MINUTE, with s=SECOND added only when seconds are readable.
h=5 m=35
